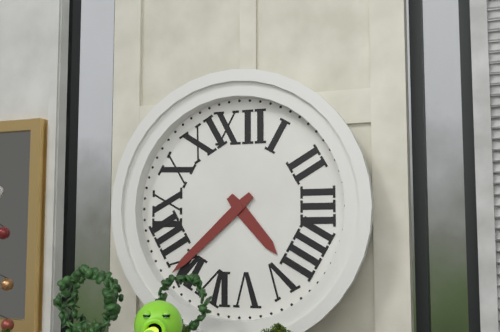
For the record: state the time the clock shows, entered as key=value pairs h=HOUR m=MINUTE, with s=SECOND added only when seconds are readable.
h=4 m=38
